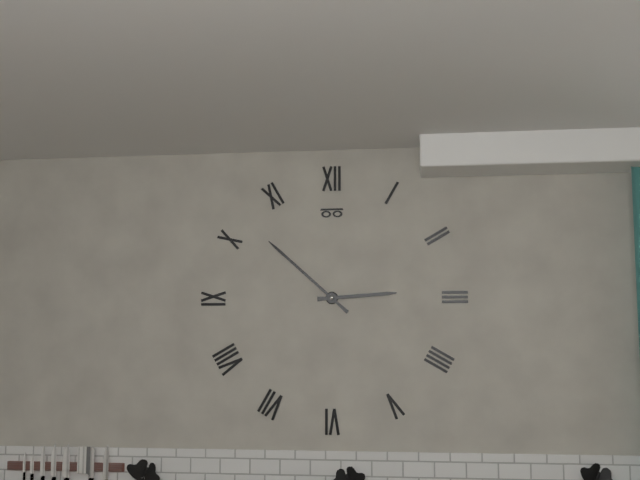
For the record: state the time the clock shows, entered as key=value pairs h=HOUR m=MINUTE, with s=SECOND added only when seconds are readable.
h=2 m=52
